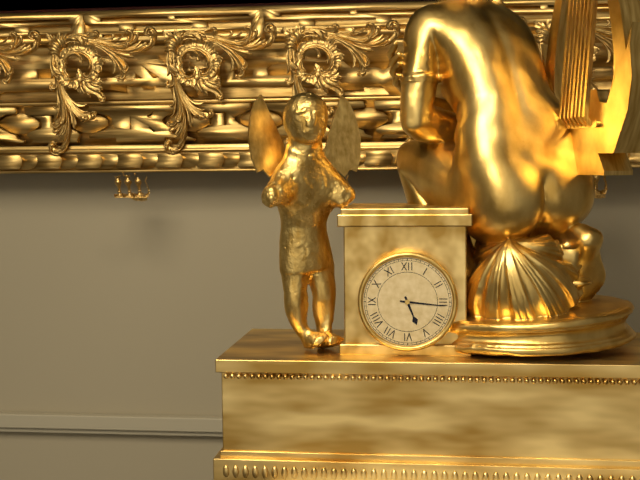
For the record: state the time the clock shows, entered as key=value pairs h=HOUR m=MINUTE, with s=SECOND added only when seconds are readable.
h=5 m=16
